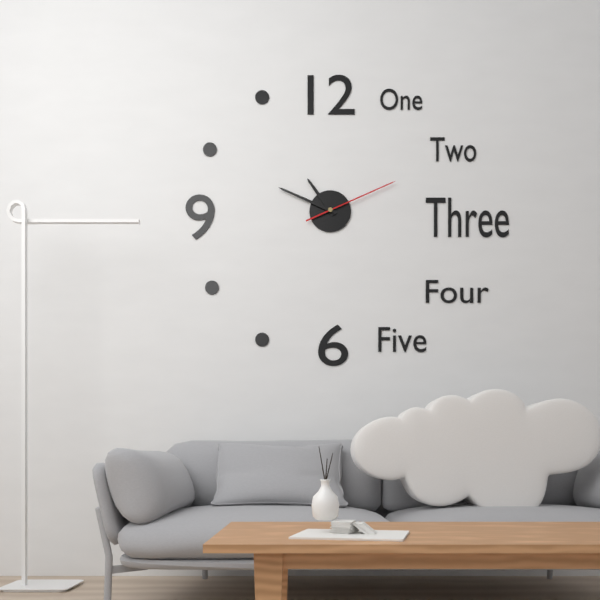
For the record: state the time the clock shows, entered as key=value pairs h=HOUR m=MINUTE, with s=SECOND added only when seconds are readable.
h=10 m=49 s=11
